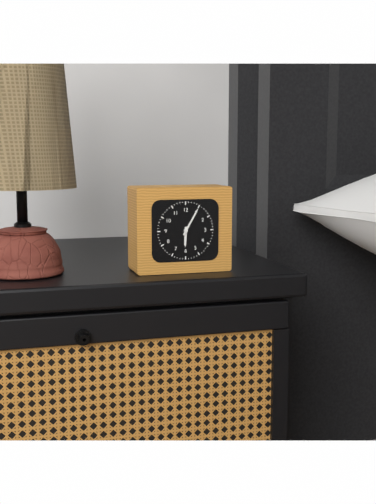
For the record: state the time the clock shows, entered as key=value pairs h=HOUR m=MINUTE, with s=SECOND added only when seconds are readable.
h=6 m=5
